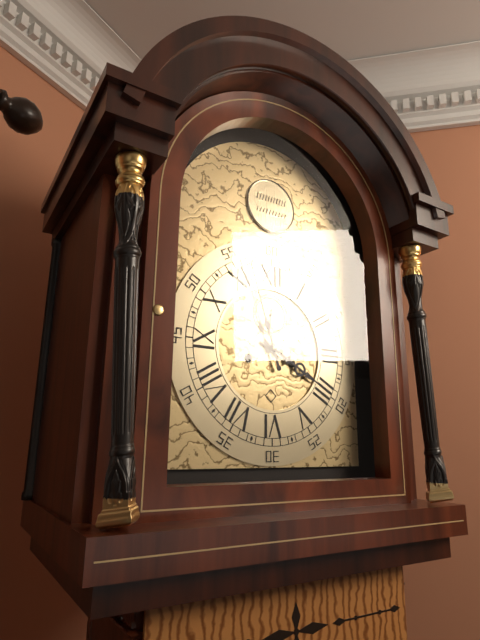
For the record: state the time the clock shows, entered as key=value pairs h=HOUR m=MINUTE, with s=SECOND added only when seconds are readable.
h=3 m=57
